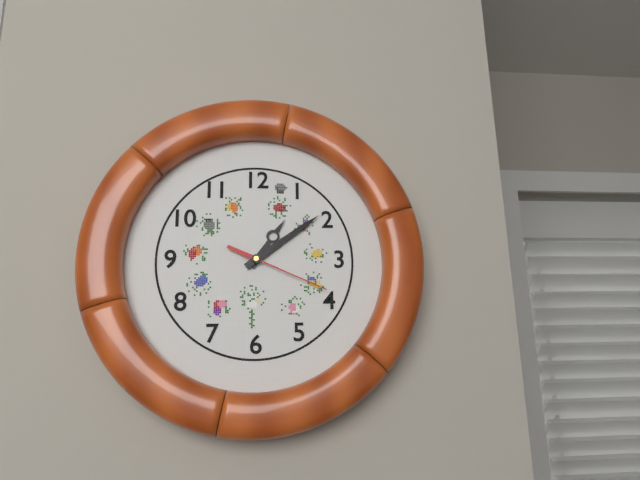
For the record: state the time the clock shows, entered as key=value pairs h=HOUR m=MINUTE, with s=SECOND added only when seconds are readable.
h=1 m=9 s=19
